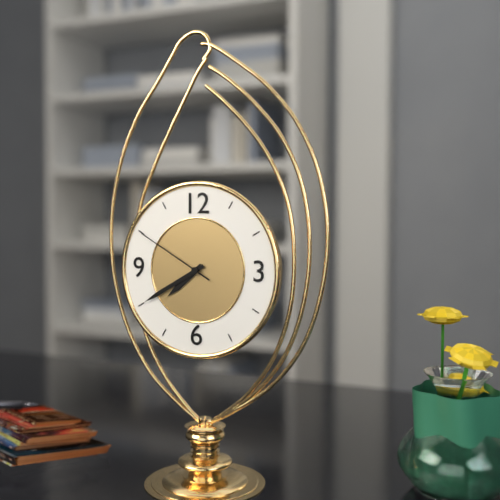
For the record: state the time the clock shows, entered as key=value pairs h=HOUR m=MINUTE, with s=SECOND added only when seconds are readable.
h=7 m=40 s=50
